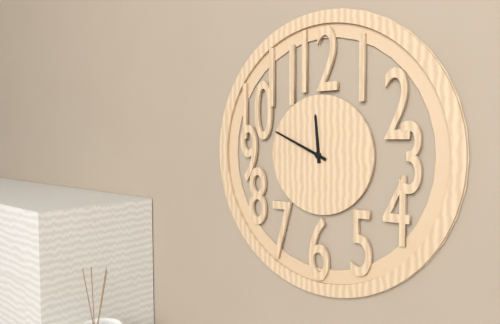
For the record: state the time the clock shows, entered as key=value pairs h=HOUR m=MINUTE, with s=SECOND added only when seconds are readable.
h=11 m=49
